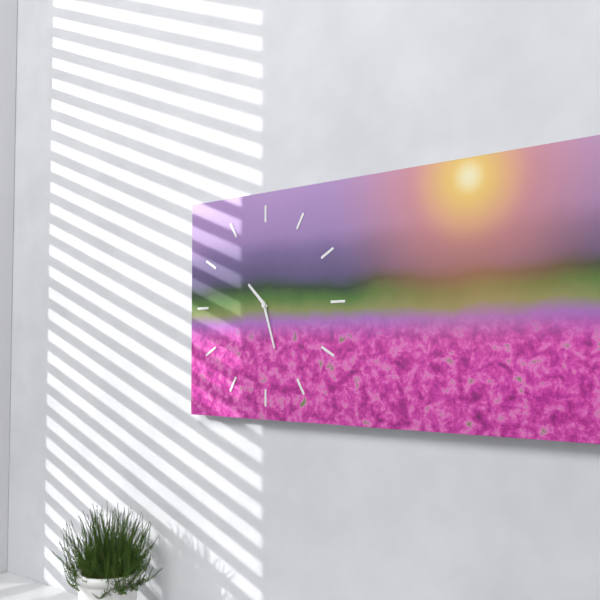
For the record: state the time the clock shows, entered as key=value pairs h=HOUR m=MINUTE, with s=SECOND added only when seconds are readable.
h=10 m=27
